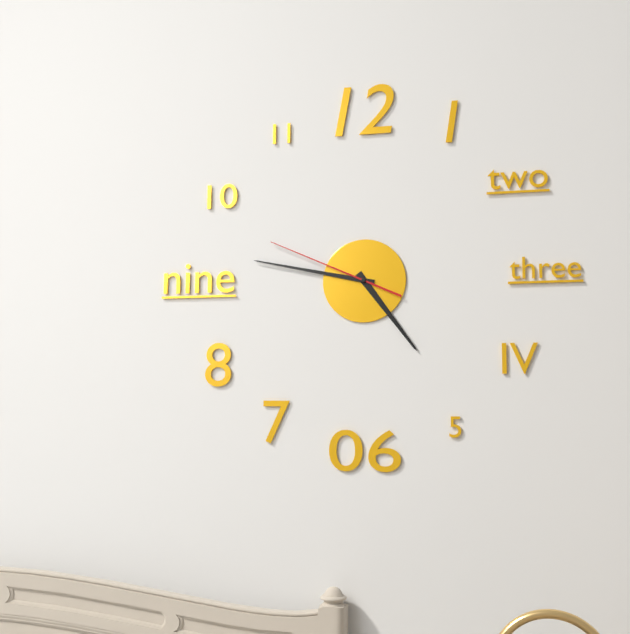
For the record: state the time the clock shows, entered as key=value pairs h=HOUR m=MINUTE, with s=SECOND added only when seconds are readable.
h=4 m=47 s=49
